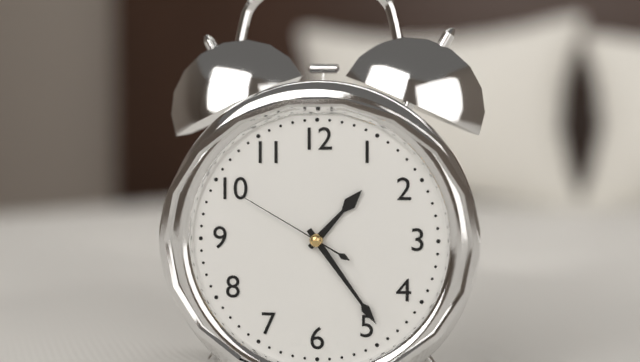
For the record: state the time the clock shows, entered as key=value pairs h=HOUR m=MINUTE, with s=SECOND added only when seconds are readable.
h=1 m=24 s=50
